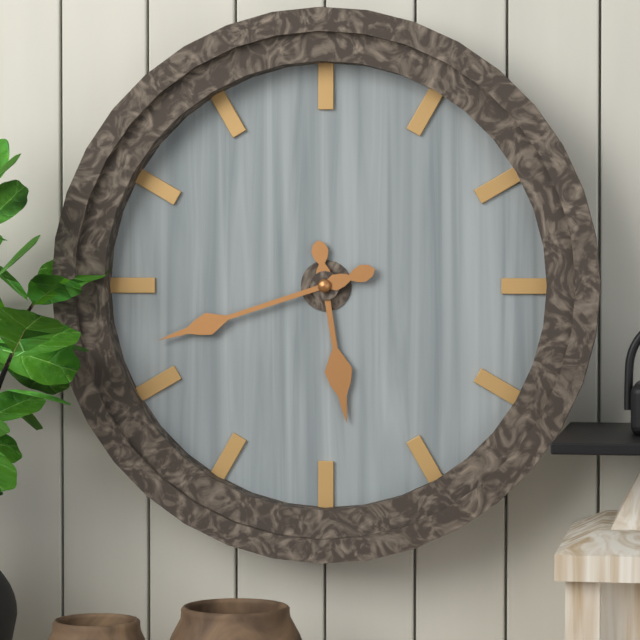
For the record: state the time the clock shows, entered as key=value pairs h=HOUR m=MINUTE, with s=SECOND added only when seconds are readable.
h=5 m=42
